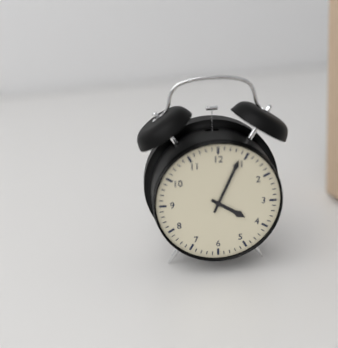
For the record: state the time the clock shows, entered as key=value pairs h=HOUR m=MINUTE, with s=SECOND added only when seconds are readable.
h=4 m=4
